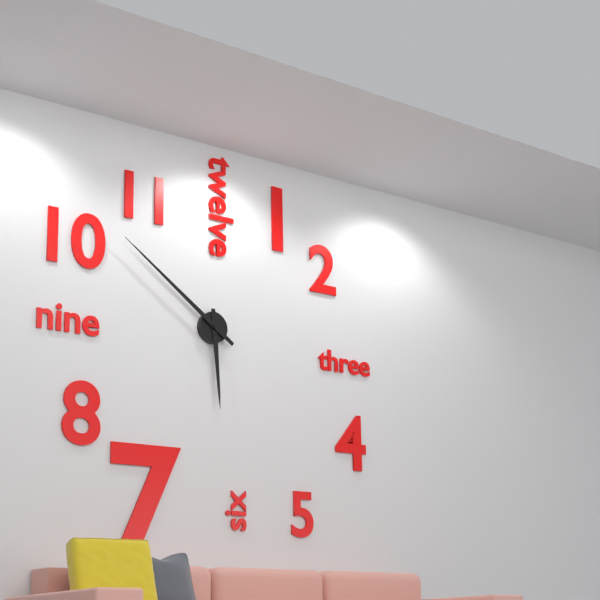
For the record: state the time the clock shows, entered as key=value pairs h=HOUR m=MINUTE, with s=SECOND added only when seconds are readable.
h=5 m=51
